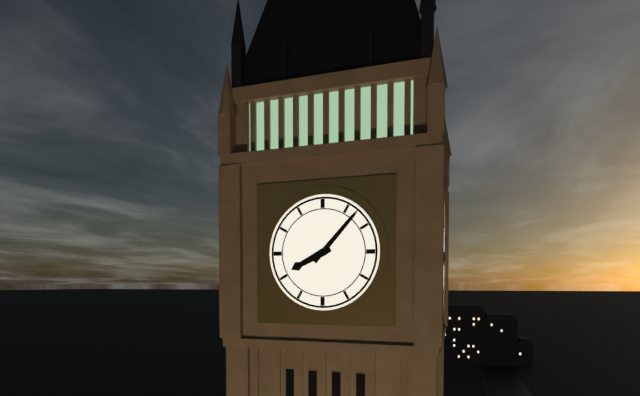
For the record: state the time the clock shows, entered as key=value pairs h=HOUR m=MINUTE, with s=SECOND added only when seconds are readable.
h=8 m=7
